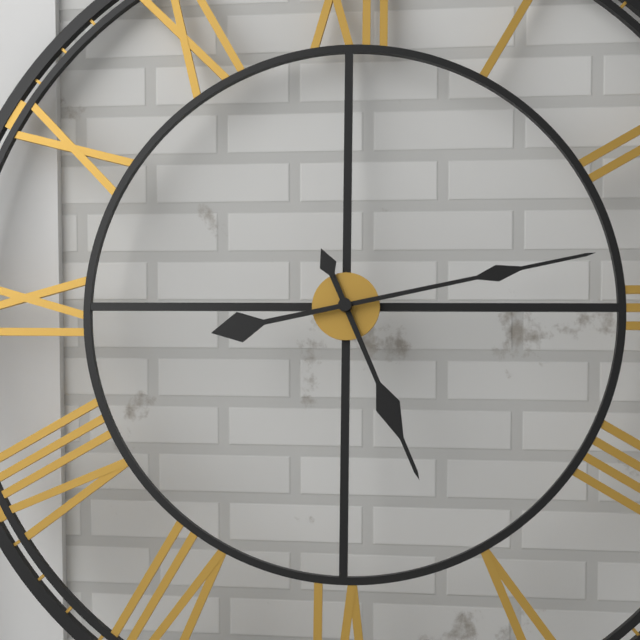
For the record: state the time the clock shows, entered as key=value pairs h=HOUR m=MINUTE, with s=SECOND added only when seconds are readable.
h=5 m=13
